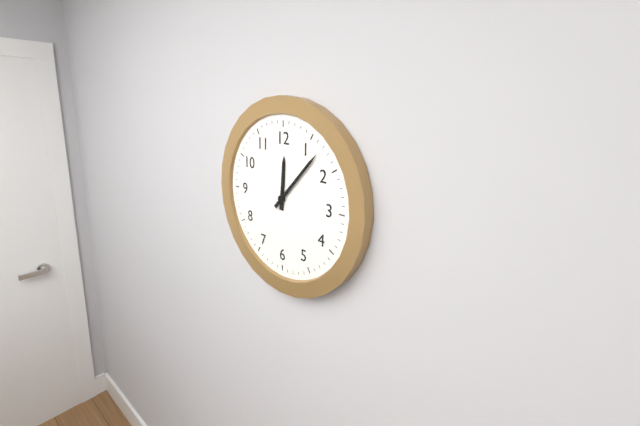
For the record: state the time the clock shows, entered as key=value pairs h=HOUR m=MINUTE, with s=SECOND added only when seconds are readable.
h=12 m=7
